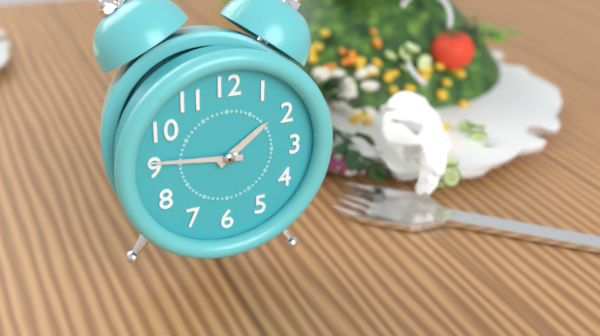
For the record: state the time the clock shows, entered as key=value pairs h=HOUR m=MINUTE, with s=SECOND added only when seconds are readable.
h=1 m=46
